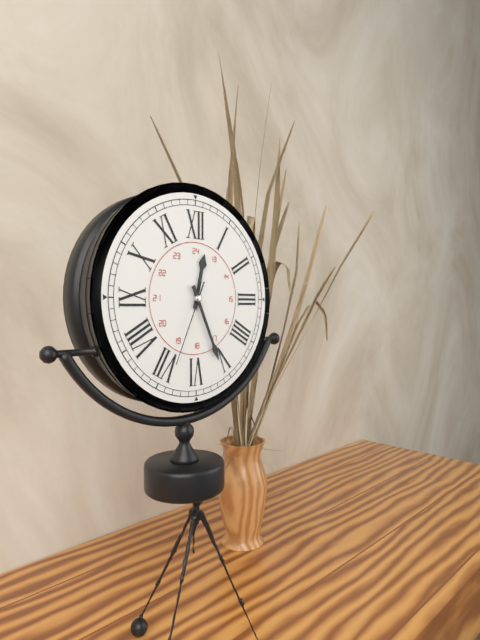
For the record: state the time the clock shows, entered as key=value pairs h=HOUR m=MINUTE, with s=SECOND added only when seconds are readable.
h=12 m=26 s=34
